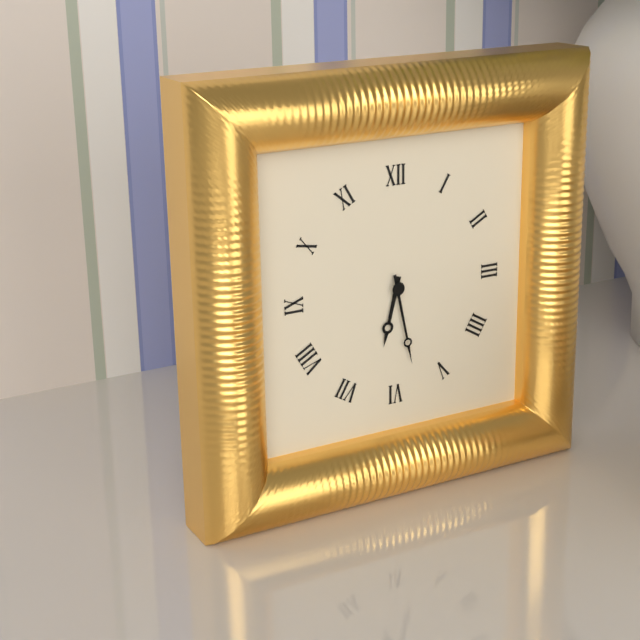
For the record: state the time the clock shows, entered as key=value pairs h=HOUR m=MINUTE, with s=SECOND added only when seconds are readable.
h=6 m=28
